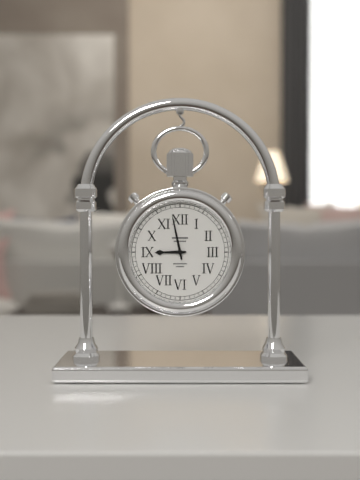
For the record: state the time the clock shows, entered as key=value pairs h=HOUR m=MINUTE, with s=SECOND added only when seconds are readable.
h=8 m=58
